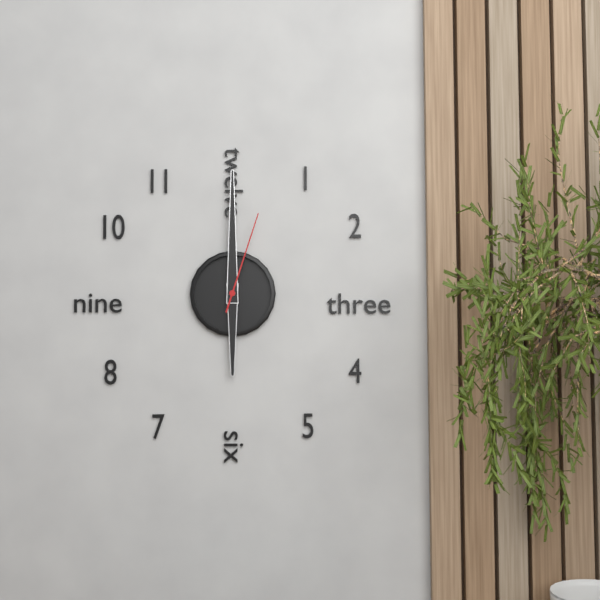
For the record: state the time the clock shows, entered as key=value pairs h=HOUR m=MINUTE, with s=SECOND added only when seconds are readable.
h=6 m=0 s=3
